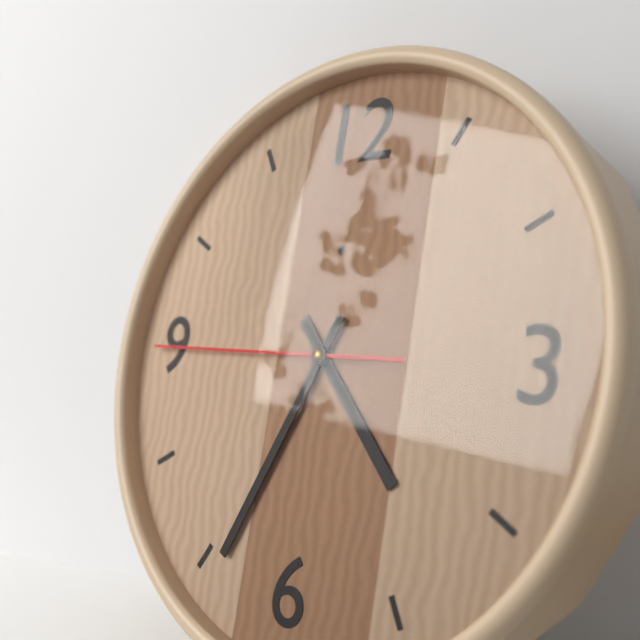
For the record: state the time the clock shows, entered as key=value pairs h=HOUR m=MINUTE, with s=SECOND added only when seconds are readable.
h=4 m=34 s=45
